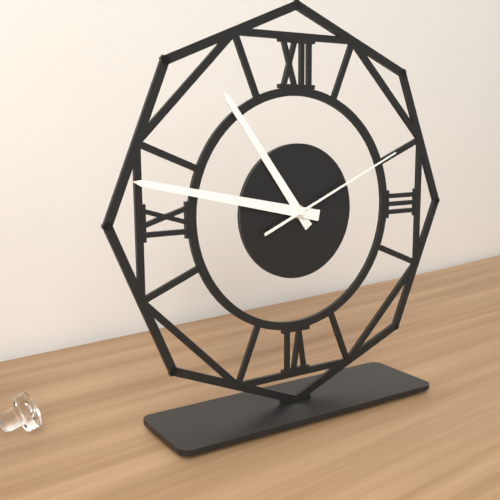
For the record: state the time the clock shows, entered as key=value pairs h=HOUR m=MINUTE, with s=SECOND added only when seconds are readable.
h=10 m=47 s=11
